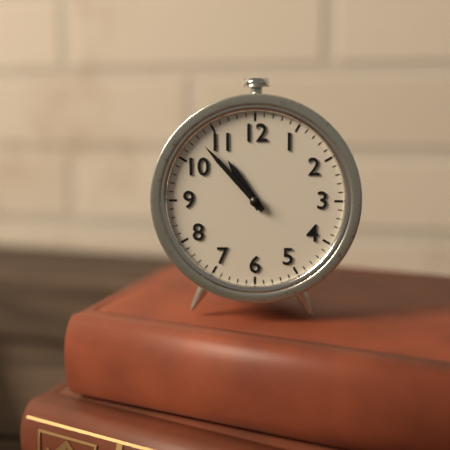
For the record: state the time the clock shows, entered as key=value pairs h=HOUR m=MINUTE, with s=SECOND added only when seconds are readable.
h=10 m=53
